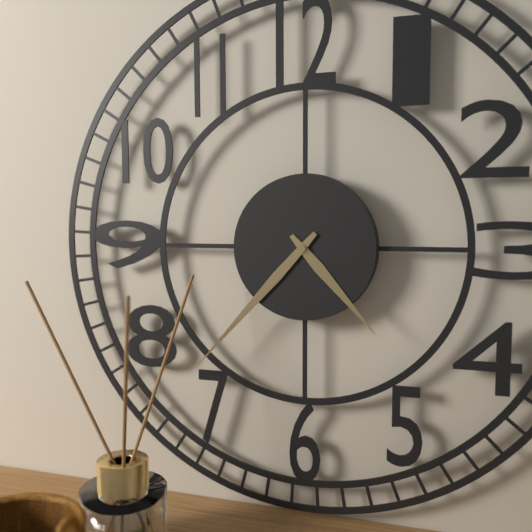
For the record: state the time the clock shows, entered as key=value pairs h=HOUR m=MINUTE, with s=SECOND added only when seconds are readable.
h=4 m=37
